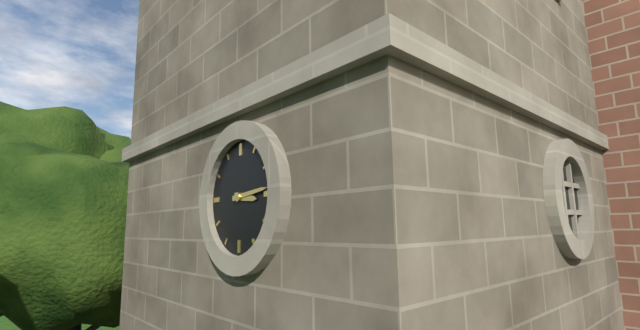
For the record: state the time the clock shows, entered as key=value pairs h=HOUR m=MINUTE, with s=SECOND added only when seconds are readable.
h=3 m=14
